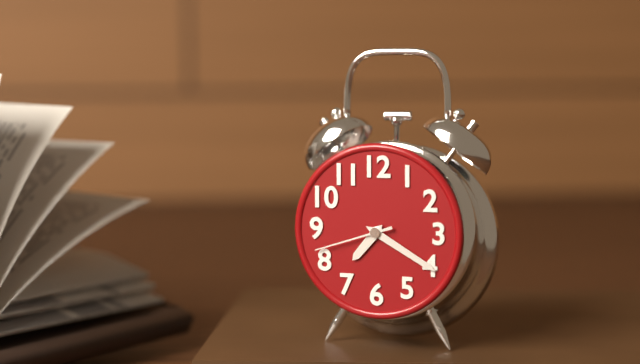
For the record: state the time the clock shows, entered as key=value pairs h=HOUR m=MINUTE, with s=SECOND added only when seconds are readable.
h=7 m=20 s=42
